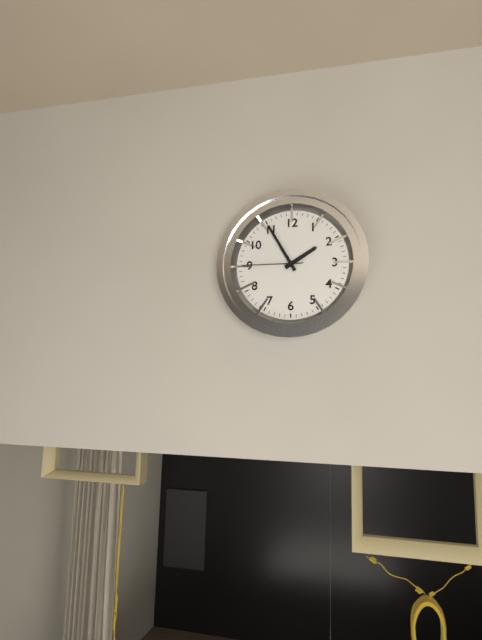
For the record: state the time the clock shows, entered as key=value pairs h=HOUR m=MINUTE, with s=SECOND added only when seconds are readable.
h=1 m=55 s=45
